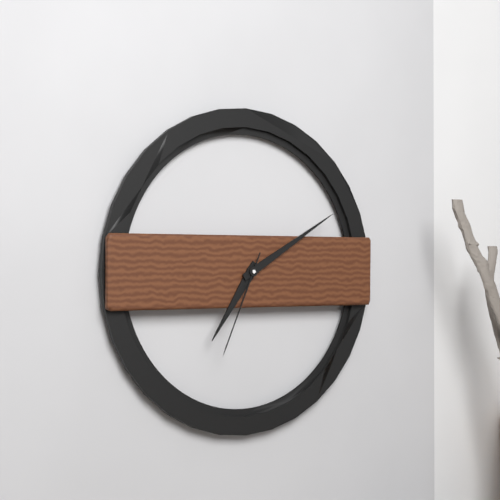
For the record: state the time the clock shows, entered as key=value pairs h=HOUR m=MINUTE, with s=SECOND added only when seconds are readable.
h=7 m=10 s=34
